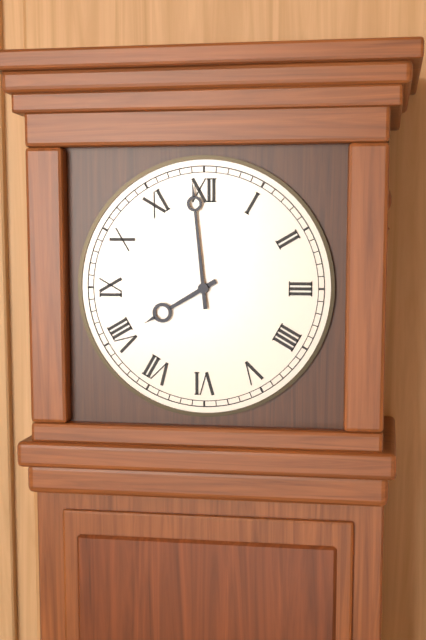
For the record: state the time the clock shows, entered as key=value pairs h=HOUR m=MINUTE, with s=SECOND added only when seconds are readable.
h=7 m=59
